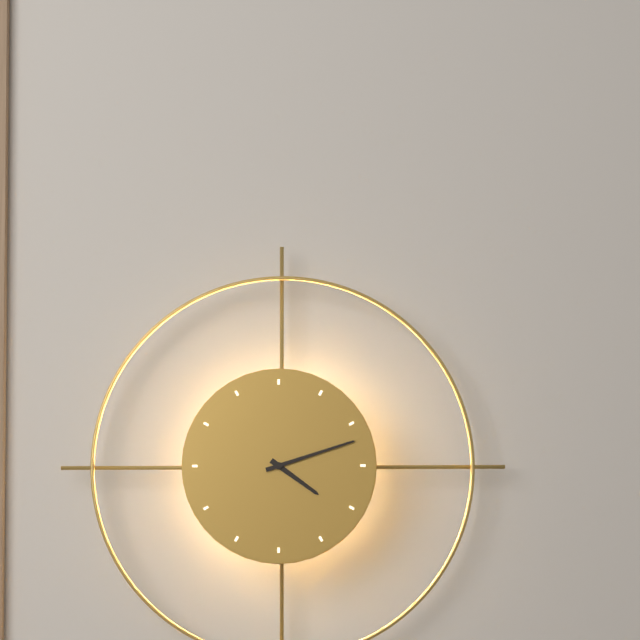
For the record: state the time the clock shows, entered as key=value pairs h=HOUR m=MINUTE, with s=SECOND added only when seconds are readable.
h=4 m=12
